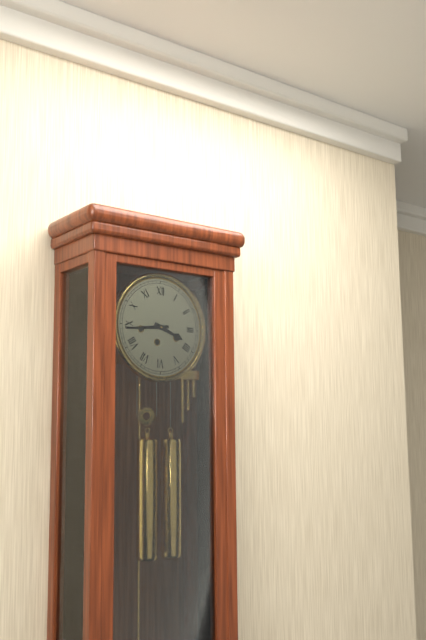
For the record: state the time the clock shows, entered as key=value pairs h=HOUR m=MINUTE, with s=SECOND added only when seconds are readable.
h=3 m=44
